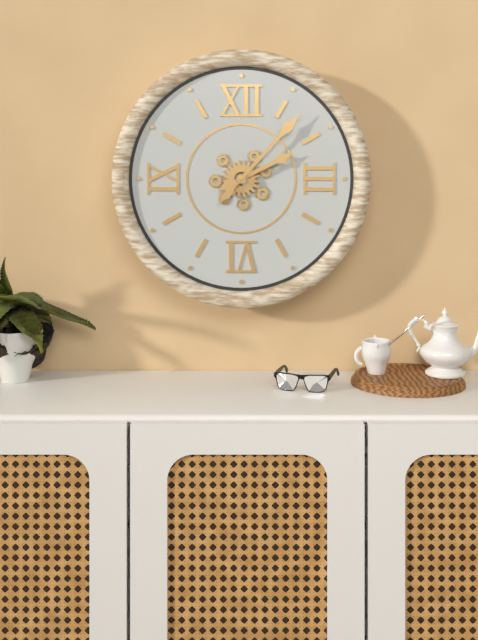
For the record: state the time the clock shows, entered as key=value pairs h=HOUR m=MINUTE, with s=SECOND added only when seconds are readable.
h=2 m=7
